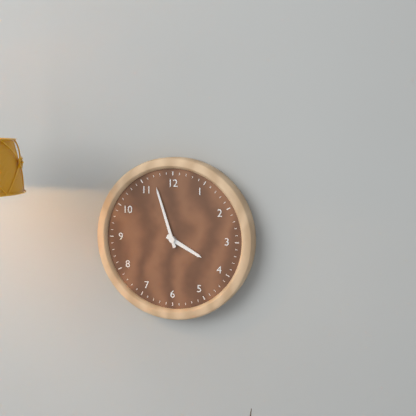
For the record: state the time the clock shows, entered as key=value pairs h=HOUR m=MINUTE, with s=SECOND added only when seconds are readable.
h=3 m=57
